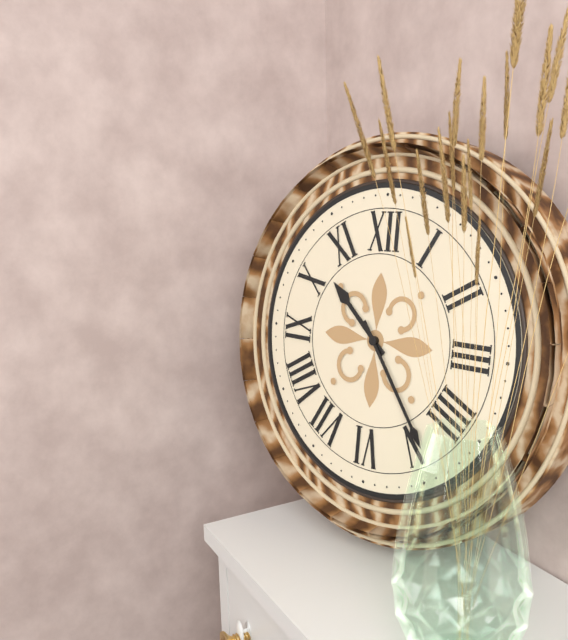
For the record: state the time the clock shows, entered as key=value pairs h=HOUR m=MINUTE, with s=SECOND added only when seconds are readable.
h=10 m=24
